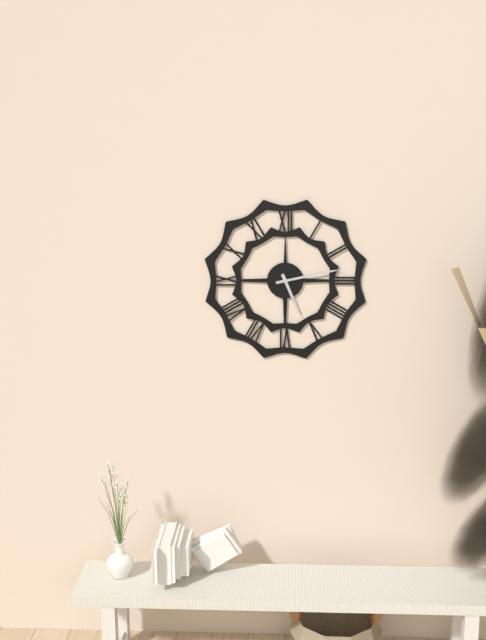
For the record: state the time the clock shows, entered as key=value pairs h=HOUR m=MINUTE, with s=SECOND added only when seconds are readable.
h=5 m=13
